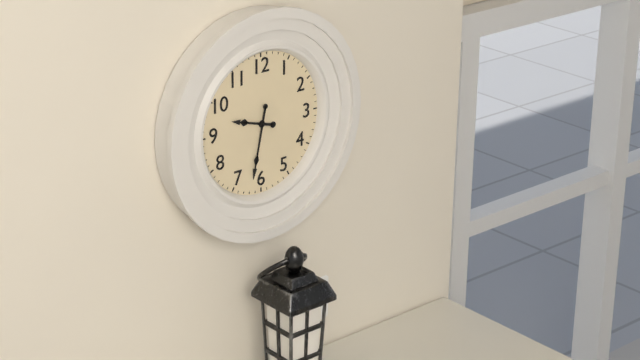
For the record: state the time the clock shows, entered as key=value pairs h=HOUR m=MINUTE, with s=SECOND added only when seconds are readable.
h=9 m=32
